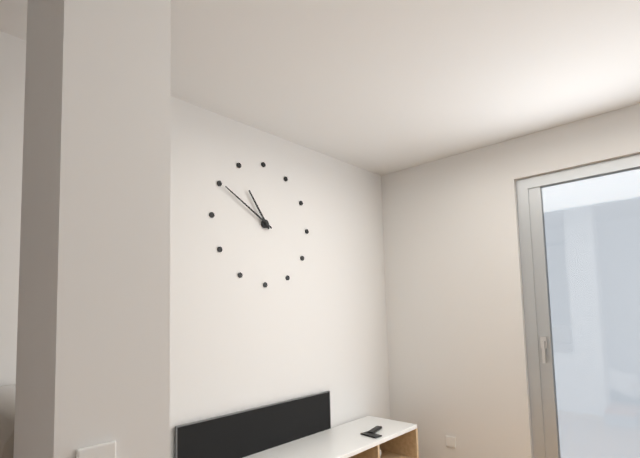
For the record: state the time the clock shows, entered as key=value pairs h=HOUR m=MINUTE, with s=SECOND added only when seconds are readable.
h=10 m=50
